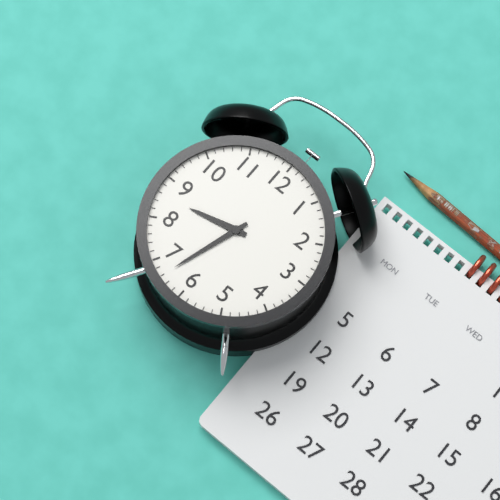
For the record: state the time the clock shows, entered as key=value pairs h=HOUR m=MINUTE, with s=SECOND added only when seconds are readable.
h=8 m=33
